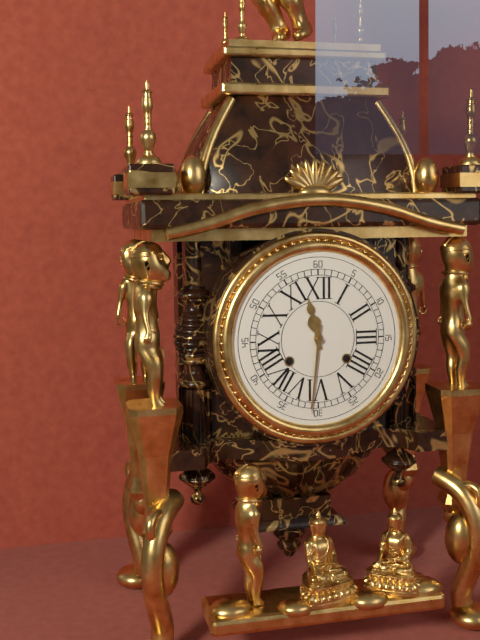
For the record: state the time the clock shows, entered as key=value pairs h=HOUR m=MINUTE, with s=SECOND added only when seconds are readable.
h=11 m=31
